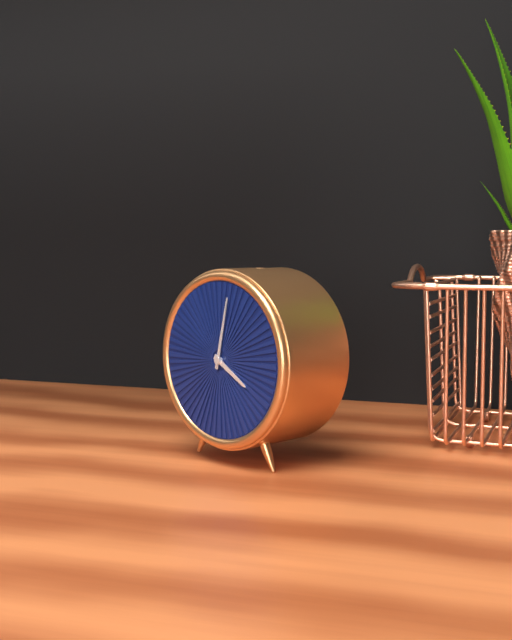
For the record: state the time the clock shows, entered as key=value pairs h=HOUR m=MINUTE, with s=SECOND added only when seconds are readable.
h=4 m=2
